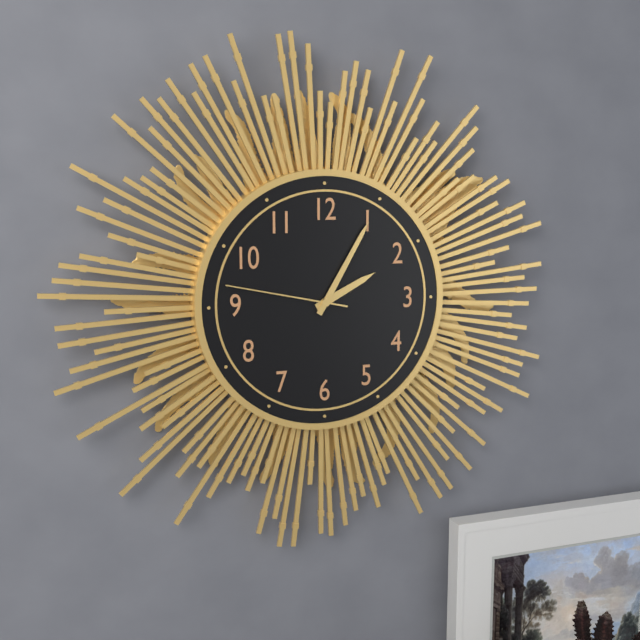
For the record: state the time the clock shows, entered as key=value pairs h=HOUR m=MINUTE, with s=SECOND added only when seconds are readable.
h=2 m=5 s=47
